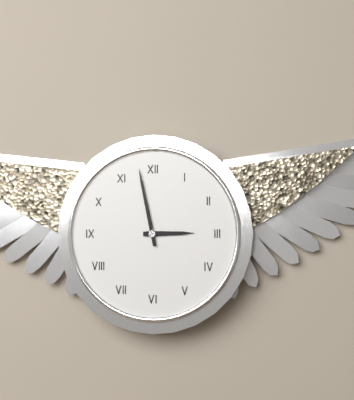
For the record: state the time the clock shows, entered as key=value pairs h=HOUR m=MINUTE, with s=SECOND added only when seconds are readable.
h=2 m=58
